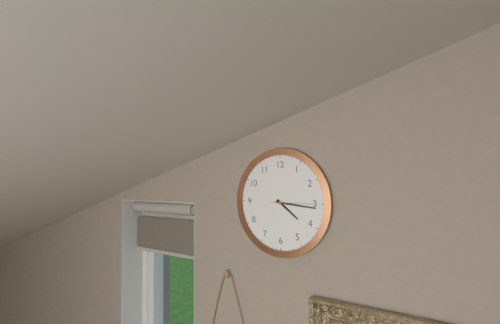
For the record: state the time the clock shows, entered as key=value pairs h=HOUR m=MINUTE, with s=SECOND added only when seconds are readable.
h=4 m=16
